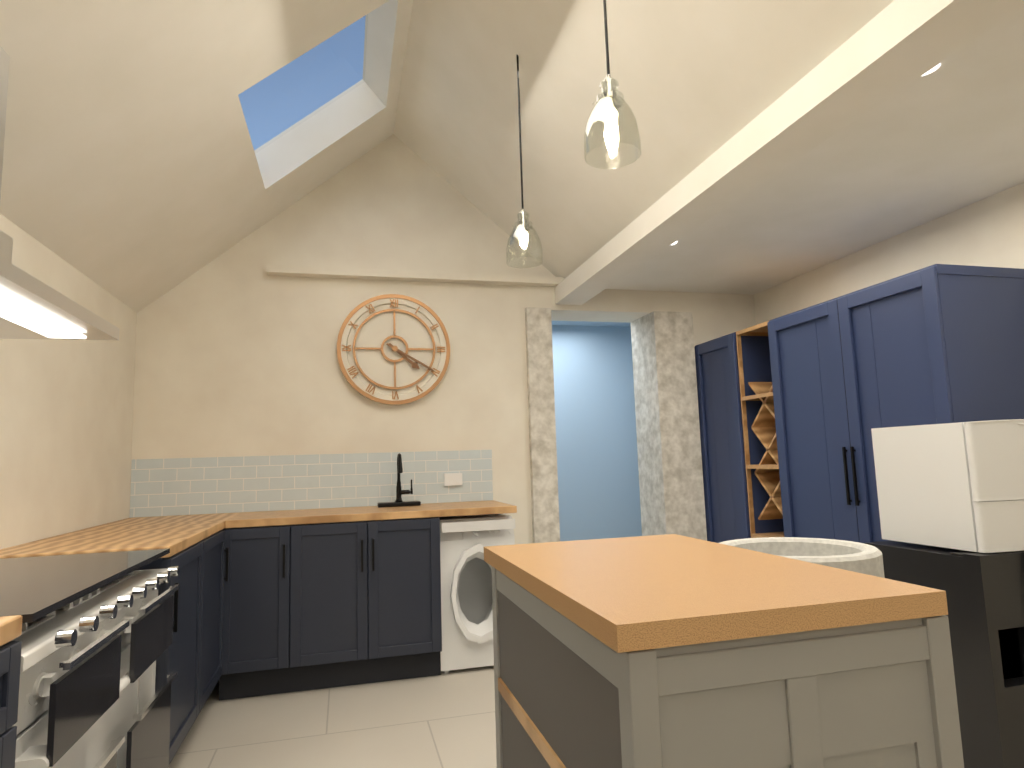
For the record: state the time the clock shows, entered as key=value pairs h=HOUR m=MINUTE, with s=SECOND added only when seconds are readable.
h=4 m=20
